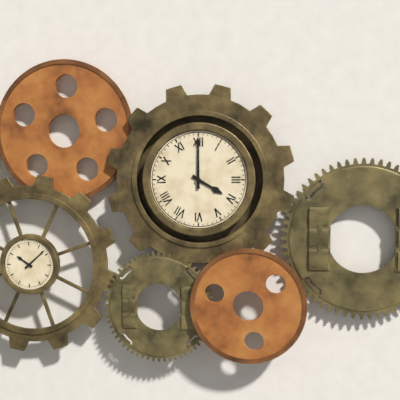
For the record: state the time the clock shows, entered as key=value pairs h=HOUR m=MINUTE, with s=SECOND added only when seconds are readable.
h=4 m=0
